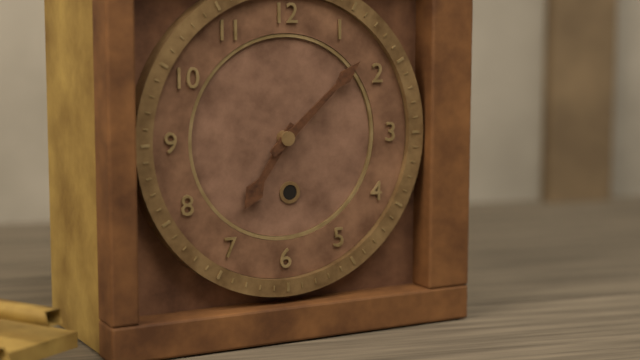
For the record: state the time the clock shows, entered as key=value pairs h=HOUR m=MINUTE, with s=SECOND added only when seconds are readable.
h=7 m=8
